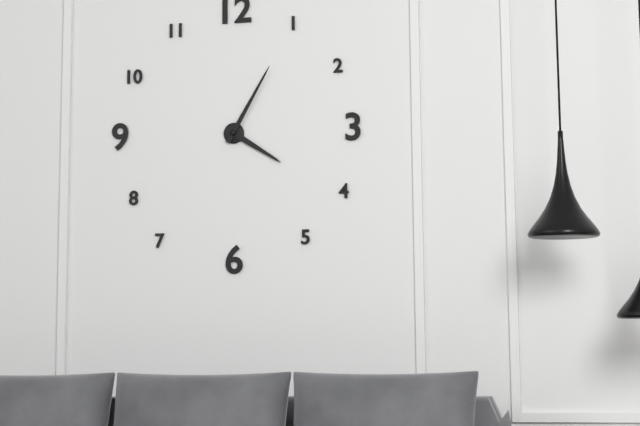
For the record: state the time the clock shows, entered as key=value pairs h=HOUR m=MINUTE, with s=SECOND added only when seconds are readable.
h=4 m=5
